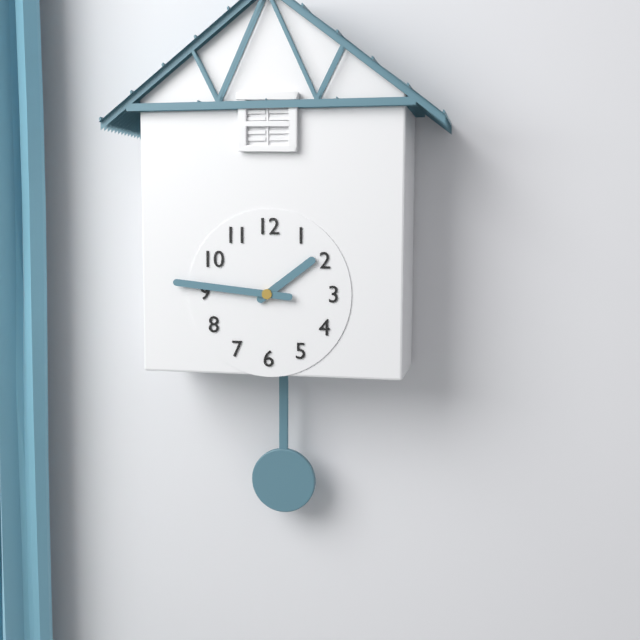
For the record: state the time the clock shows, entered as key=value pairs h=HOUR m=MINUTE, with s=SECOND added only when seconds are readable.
h=1 m=46
